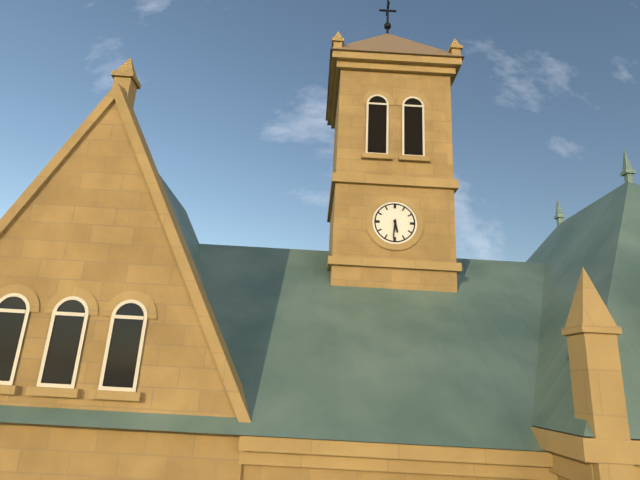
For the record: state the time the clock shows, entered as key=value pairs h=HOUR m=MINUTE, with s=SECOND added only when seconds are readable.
h=5 m=31
